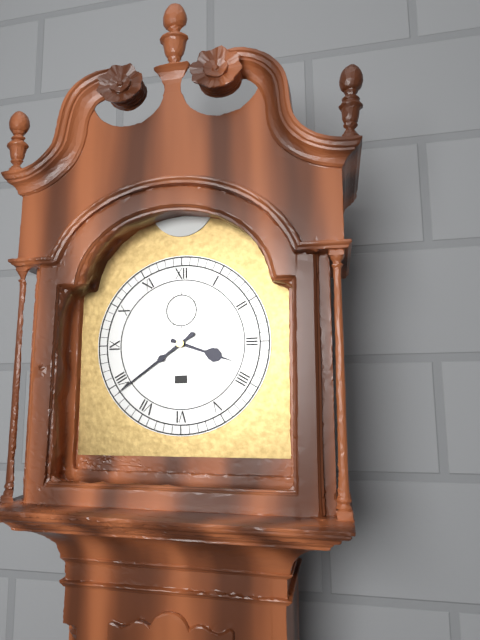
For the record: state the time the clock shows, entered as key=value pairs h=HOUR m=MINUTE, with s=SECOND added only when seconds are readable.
h=3 m=39
